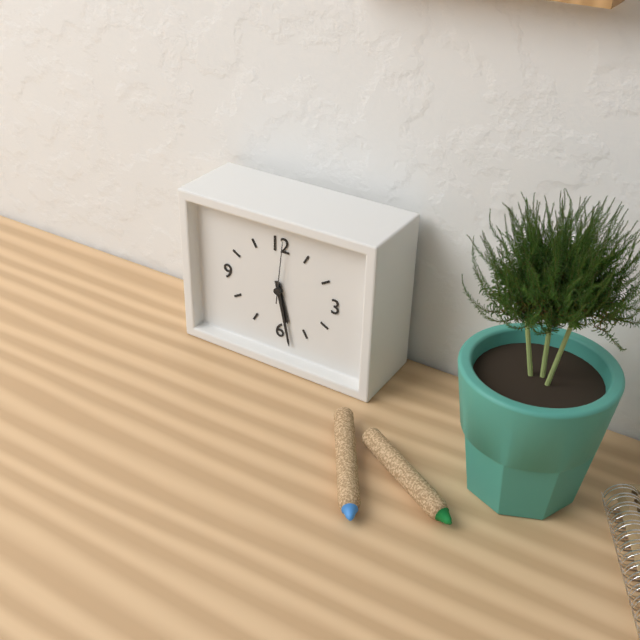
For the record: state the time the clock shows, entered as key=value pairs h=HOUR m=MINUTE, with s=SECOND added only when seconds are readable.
h=5 m=28 s=1
